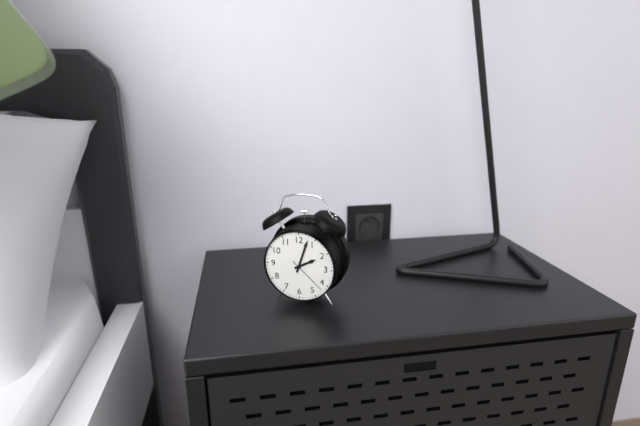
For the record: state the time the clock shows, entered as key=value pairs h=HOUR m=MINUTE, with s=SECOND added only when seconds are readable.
h=2 m=3
